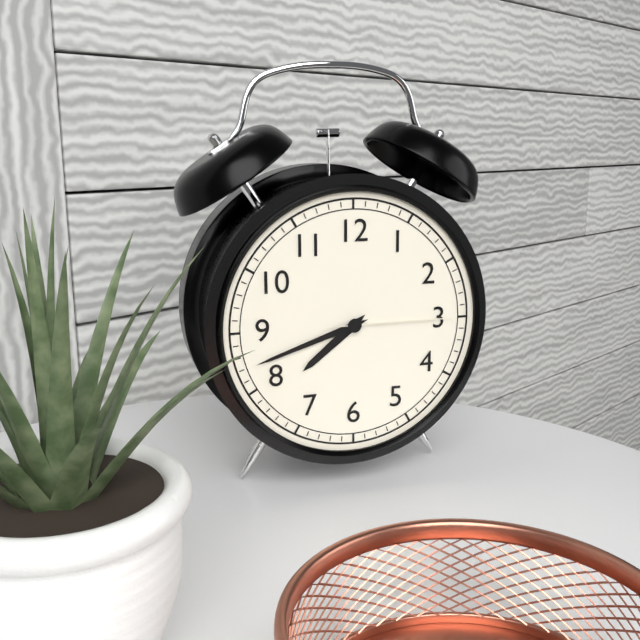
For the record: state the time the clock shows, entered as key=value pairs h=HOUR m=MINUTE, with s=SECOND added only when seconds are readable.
h=7 m=42 s=15
